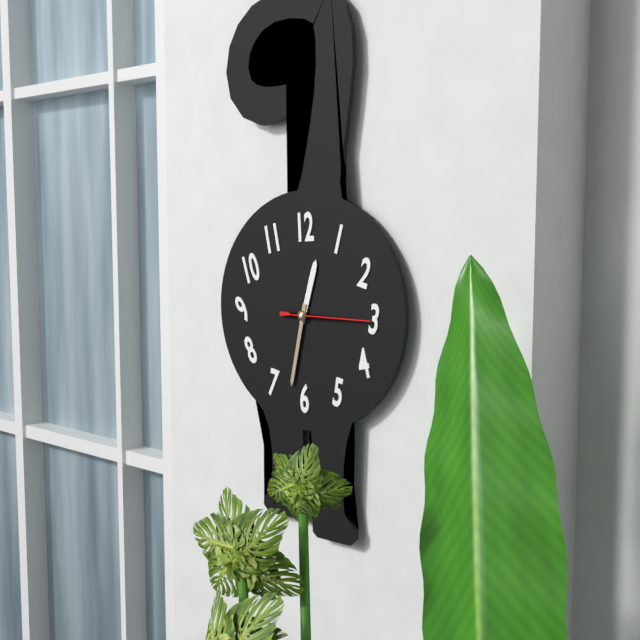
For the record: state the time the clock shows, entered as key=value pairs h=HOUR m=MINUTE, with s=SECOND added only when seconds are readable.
h=12 m=32 s=15
